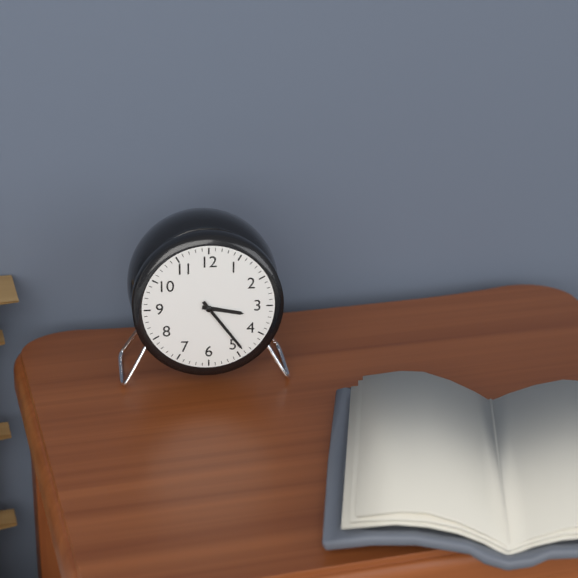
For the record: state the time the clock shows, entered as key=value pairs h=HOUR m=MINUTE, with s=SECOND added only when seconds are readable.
h=3 m=24
